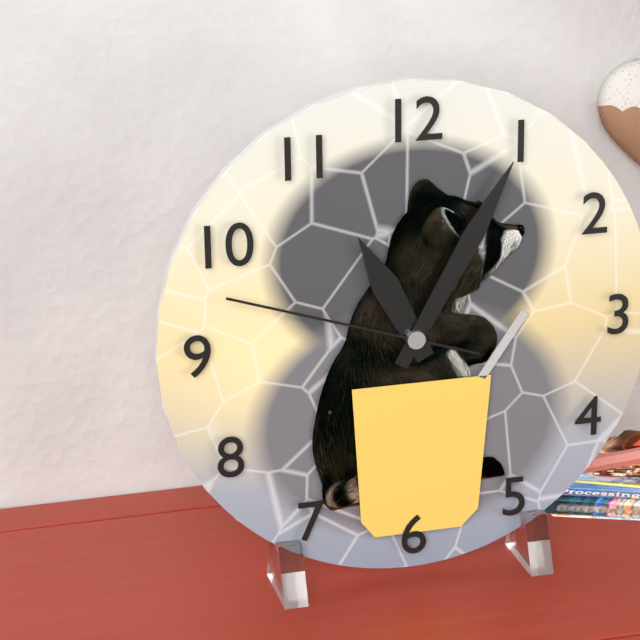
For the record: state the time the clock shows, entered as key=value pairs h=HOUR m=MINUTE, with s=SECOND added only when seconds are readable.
h=11 m=5 s=48
